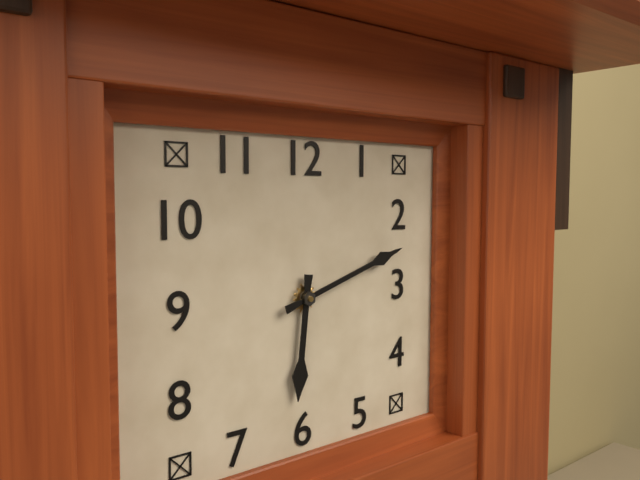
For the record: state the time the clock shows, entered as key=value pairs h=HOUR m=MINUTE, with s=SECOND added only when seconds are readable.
h=6 m=12
